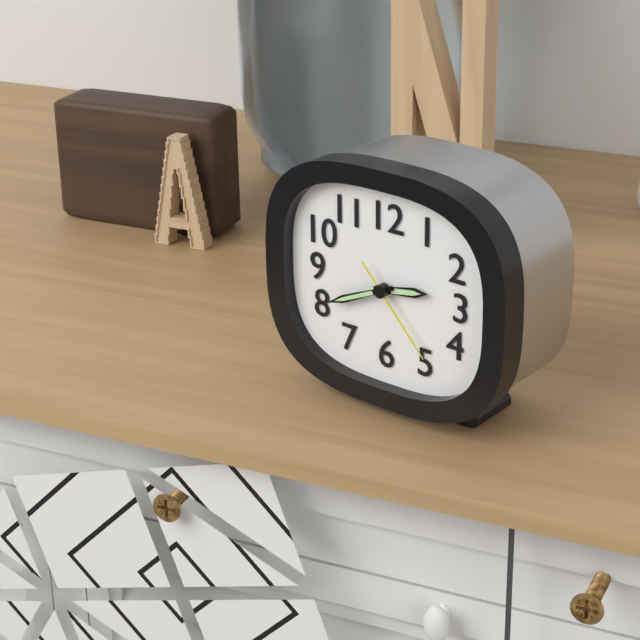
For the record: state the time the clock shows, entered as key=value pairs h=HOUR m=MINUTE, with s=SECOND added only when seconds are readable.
h=2 m=41 s=23
